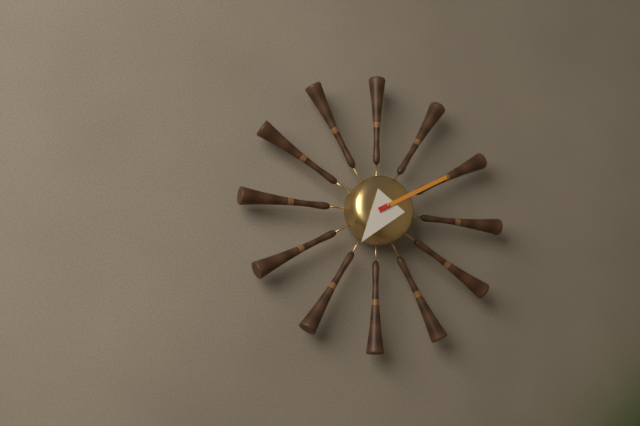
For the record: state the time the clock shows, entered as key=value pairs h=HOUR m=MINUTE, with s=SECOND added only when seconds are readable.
h=7 m=10
